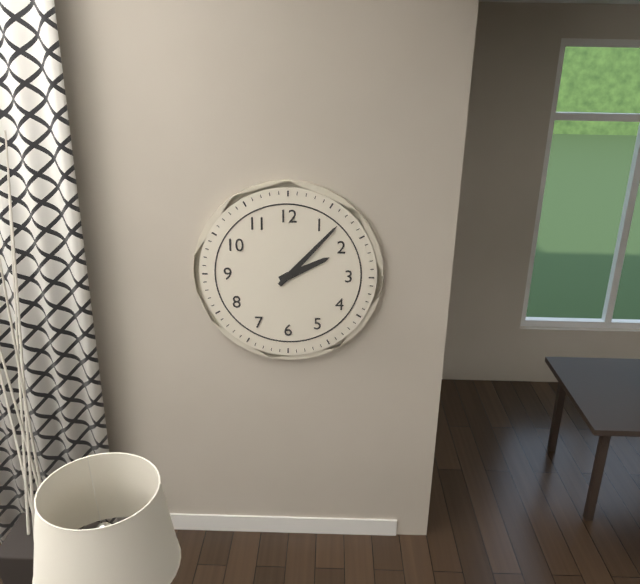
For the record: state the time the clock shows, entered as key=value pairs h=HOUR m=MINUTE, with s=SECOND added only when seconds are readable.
h=2 m=7
